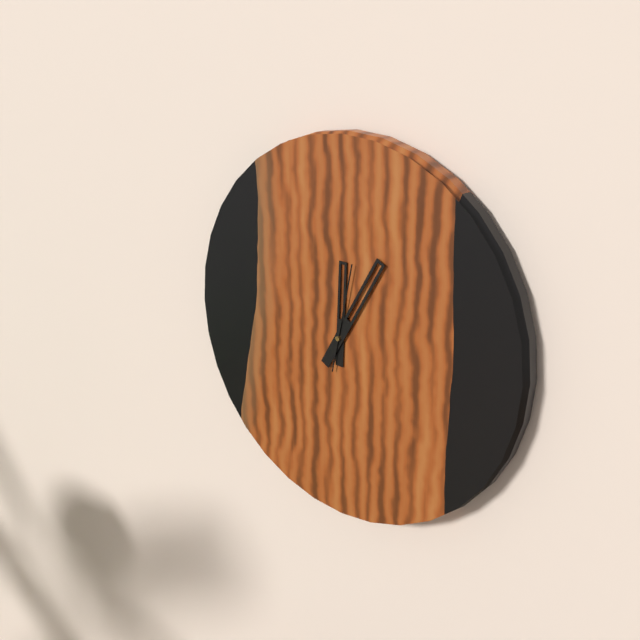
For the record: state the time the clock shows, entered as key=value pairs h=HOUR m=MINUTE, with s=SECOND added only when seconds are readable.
h=12 m=5 s=2
